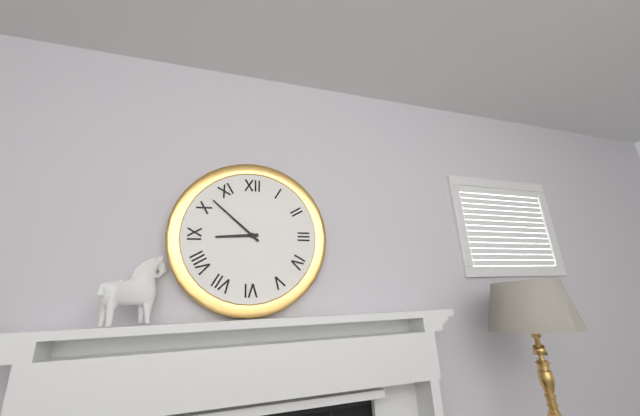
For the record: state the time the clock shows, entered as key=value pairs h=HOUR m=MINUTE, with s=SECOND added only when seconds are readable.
h=8 m=52
